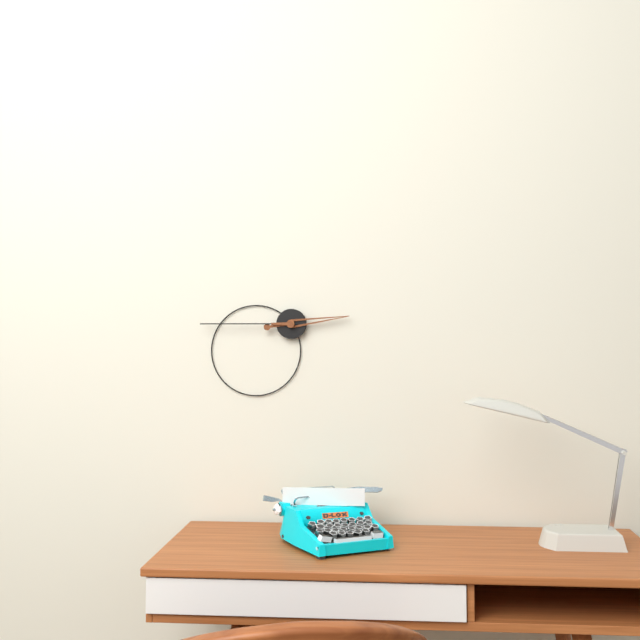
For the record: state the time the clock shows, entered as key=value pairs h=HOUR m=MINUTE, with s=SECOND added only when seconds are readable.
h=2 m=45
